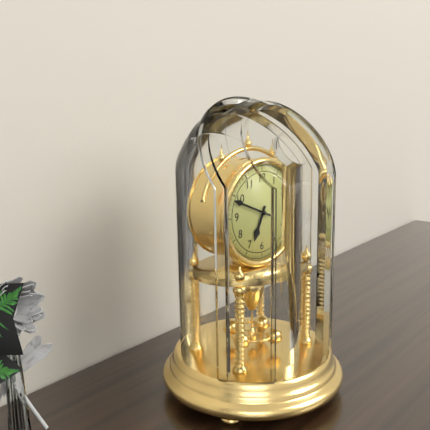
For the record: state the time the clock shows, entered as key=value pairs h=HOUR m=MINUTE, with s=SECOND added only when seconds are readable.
h=6 m=49
